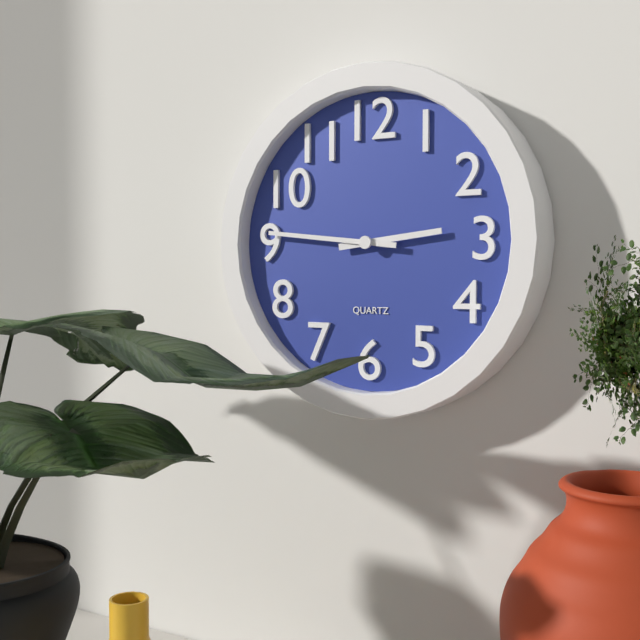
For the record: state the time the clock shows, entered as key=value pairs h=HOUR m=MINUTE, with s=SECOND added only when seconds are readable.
h=2 m=46
